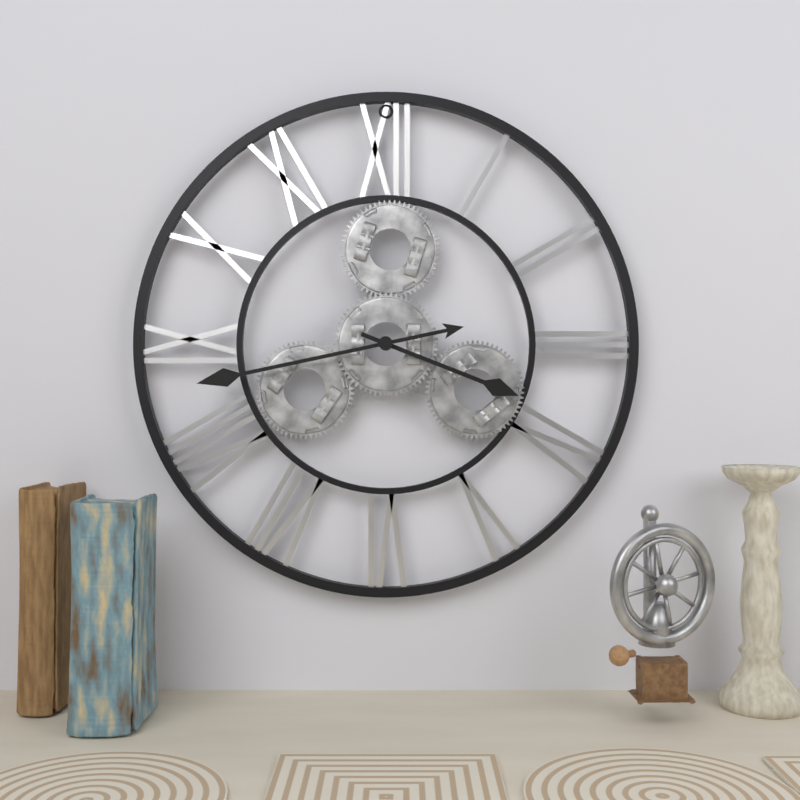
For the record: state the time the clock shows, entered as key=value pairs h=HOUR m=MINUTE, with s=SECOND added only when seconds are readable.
h=3 m=43
